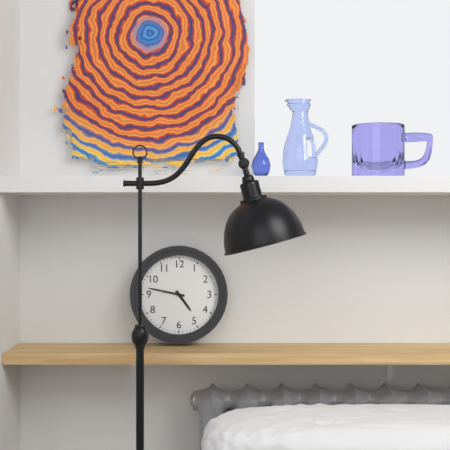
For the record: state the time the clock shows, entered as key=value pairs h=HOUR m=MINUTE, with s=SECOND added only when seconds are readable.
h=4 m=47
